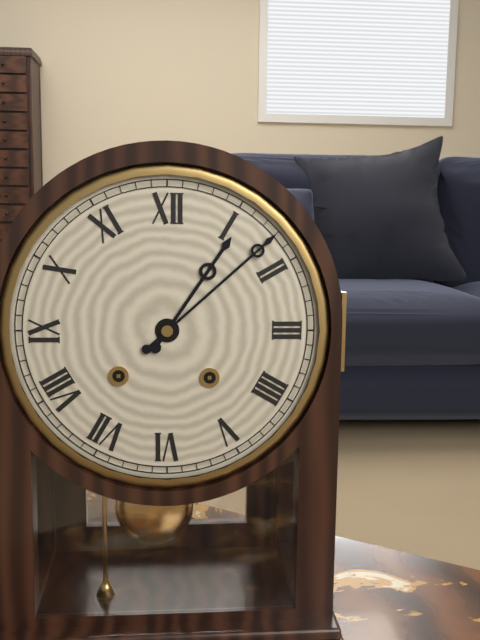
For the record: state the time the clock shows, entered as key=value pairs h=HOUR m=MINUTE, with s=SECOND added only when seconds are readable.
h=1 m=8
